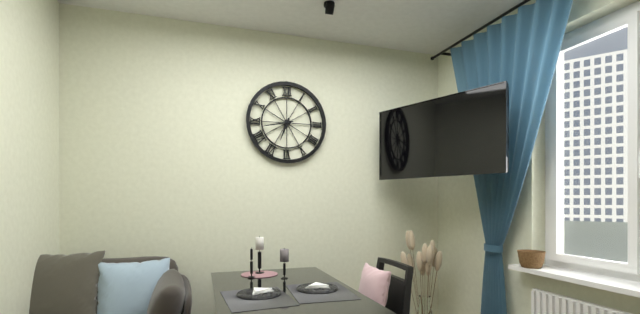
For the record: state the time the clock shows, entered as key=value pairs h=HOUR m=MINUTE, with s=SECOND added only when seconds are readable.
h=6 m=43
